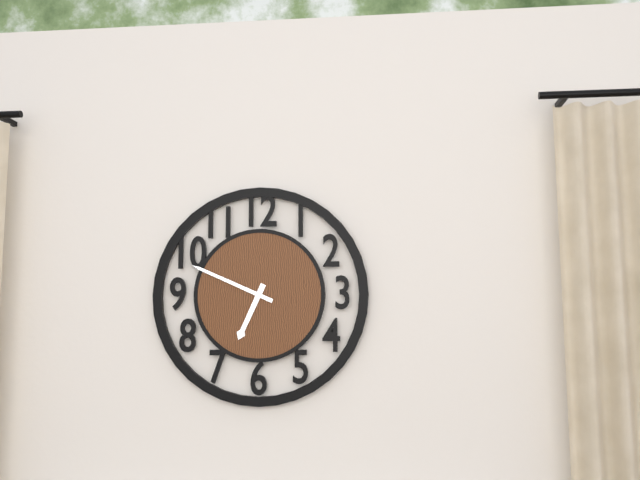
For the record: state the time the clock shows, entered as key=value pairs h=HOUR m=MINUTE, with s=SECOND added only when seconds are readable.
h=6 m=49
